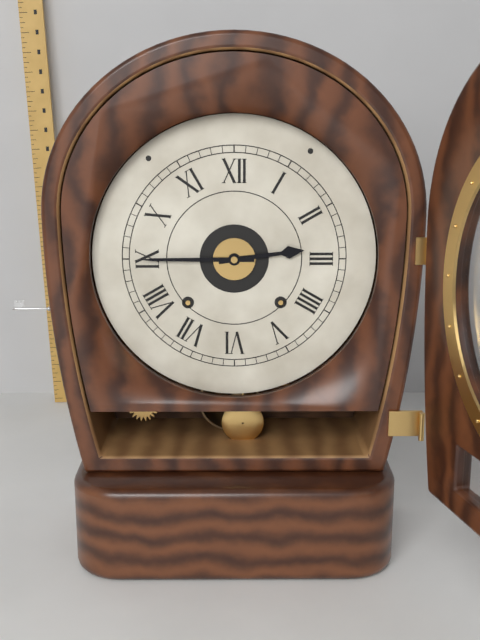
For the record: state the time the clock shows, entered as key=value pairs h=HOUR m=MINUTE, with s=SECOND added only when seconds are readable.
h=2 m=45
